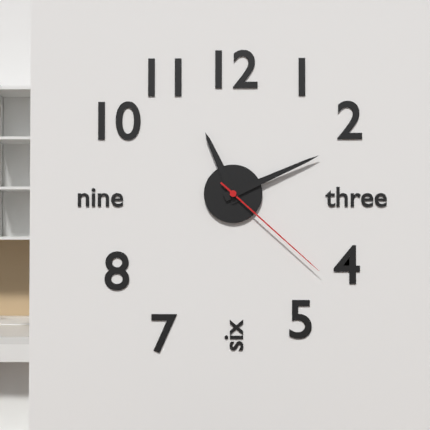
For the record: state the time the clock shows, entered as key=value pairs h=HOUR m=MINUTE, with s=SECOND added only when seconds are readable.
h=11 m=11 s=22
